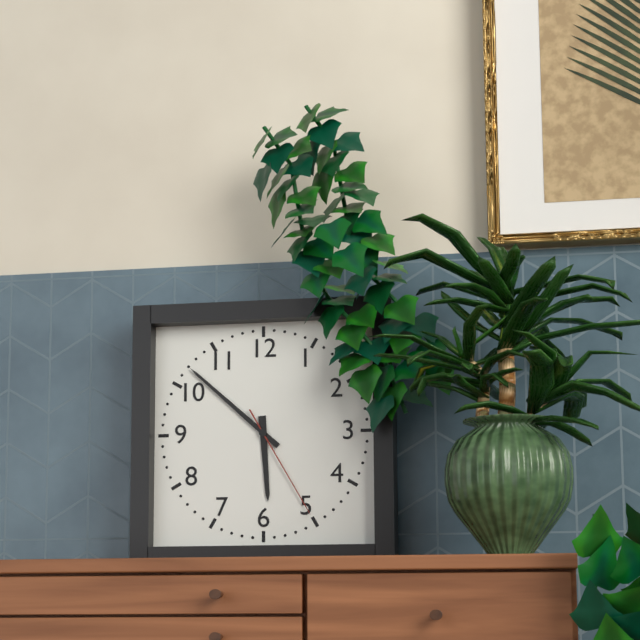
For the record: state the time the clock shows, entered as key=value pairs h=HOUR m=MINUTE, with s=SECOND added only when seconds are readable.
h=5 m=52 s=25
